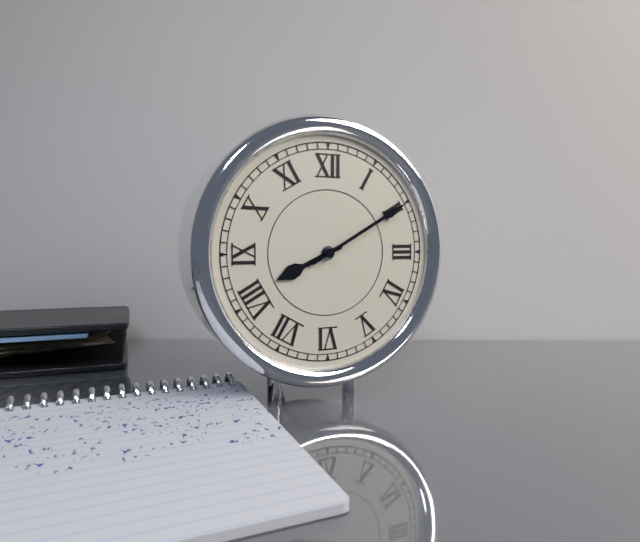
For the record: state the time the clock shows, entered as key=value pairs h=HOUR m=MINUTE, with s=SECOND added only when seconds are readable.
h=8 m=10
